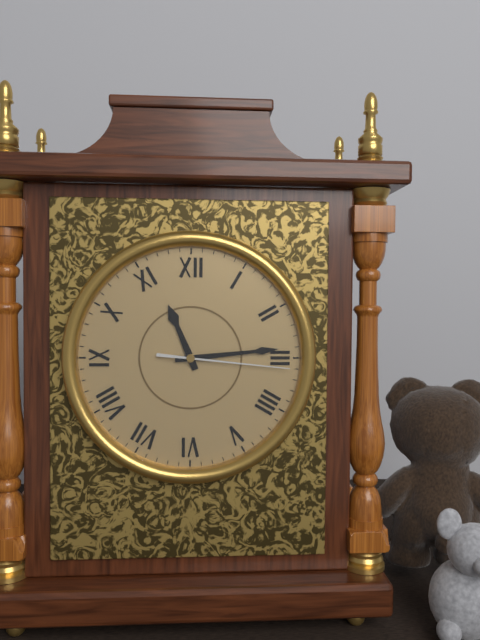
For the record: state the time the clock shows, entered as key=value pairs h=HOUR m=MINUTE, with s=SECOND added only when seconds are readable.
h=11 m=14 s=16
